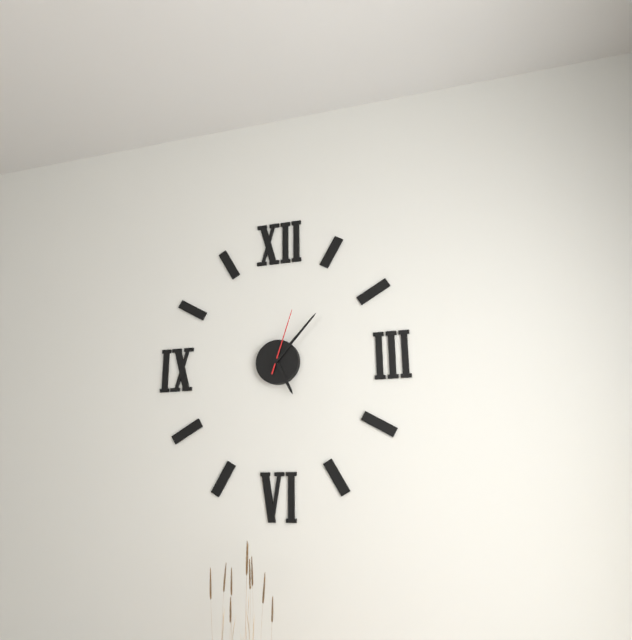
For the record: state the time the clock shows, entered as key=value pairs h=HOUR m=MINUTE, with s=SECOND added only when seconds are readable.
h=5 m=7 s=3
